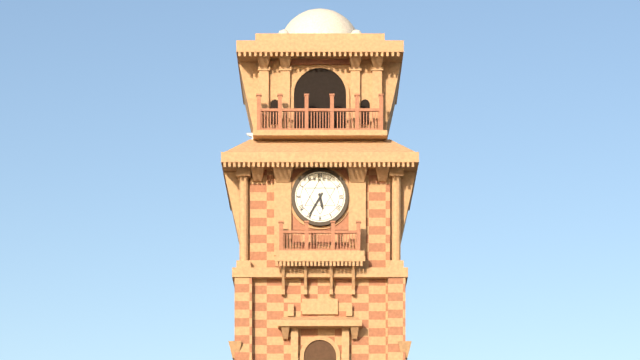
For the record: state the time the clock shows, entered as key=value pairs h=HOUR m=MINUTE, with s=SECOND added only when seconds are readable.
h=5 m=35
